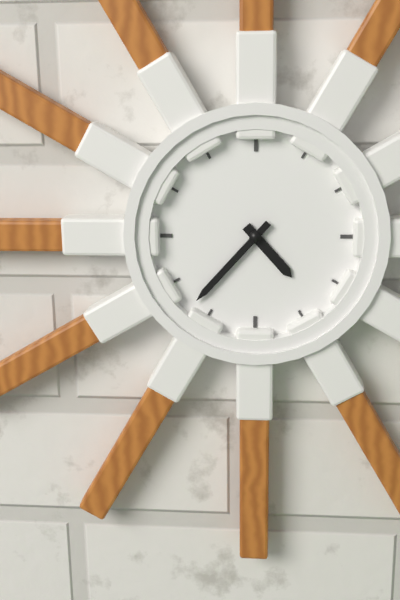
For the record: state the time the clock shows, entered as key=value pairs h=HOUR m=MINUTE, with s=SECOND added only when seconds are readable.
h=4 m=37
